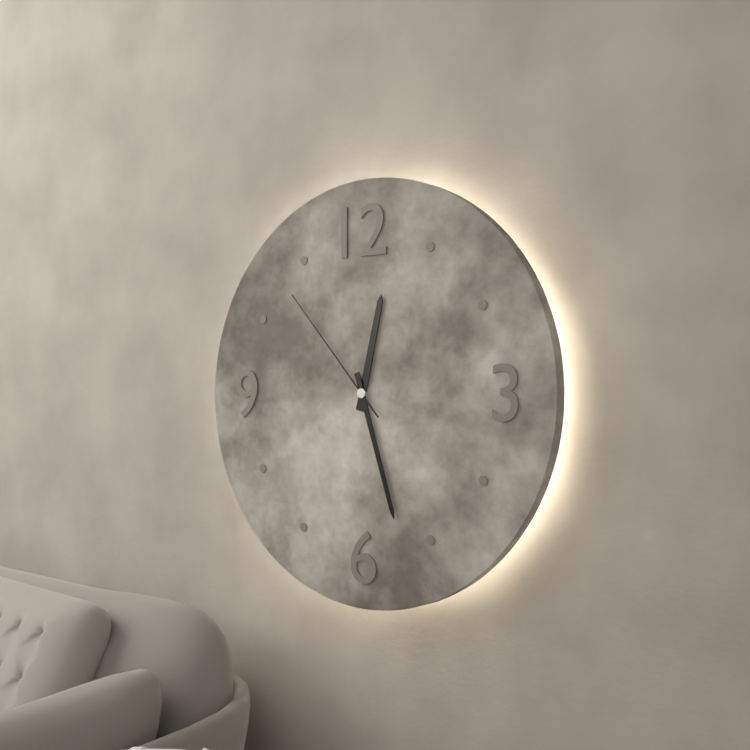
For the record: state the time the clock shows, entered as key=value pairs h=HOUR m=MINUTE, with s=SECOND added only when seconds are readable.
h=12 m=27 s=53
